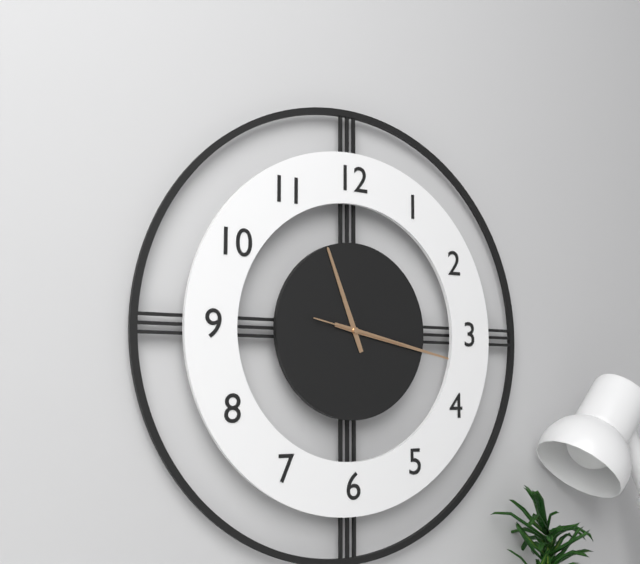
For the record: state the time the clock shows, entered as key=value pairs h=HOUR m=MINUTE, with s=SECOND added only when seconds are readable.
h=11 m=17 s=17
